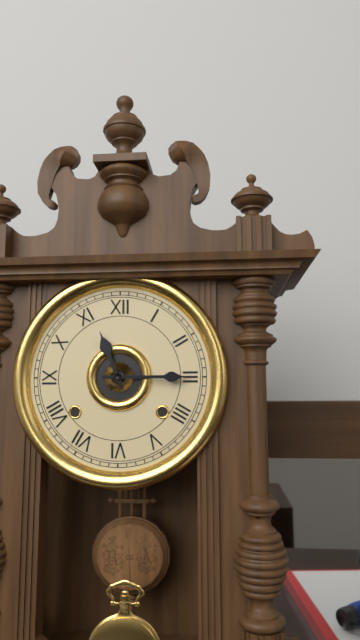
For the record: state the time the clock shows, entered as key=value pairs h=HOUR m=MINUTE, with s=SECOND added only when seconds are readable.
h=11 m=15
